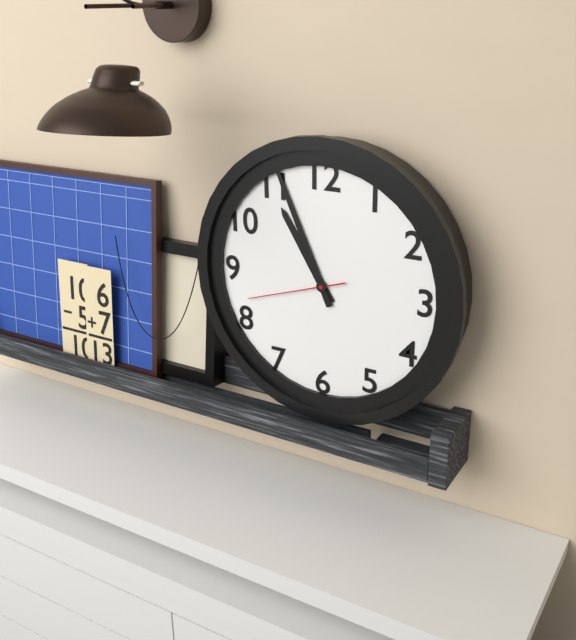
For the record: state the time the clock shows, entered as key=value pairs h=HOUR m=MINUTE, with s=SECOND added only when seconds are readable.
h=10 m=56 s=42
